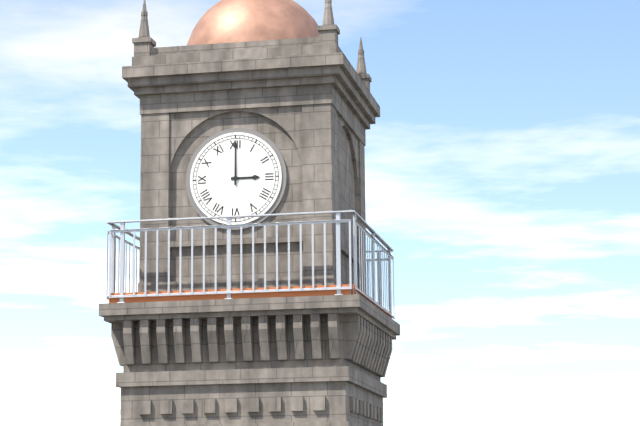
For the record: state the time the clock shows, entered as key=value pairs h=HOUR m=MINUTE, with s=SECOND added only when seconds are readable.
h=3 m=0
